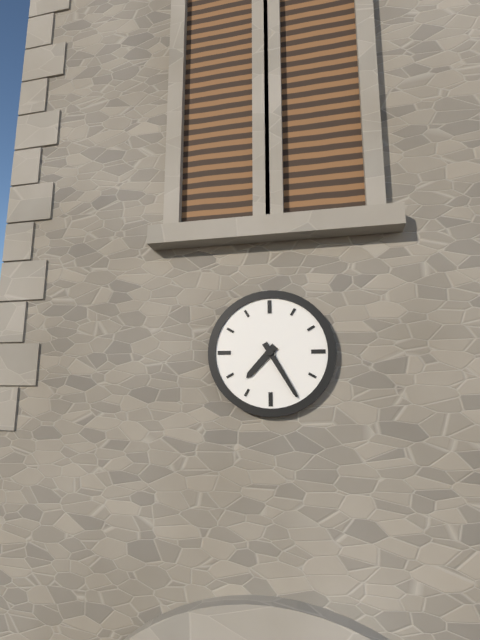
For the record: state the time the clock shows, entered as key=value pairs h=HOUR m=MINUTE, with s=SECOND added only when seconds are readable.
h=7 m=25
